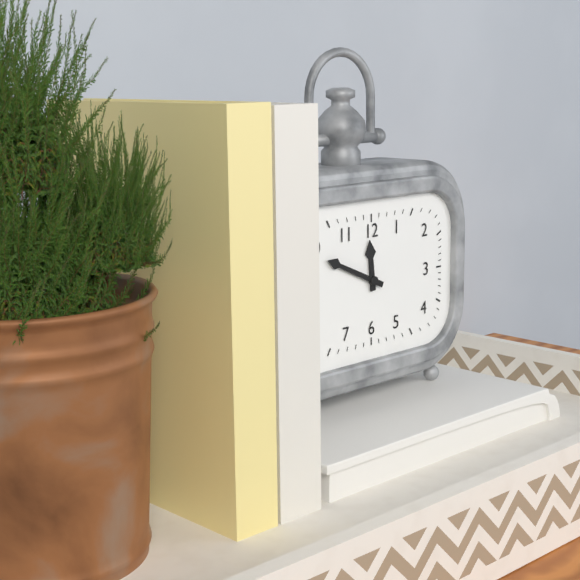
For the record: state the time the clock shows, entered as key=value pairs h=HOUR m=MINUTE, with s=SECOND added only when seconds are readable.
h=11 m=49
